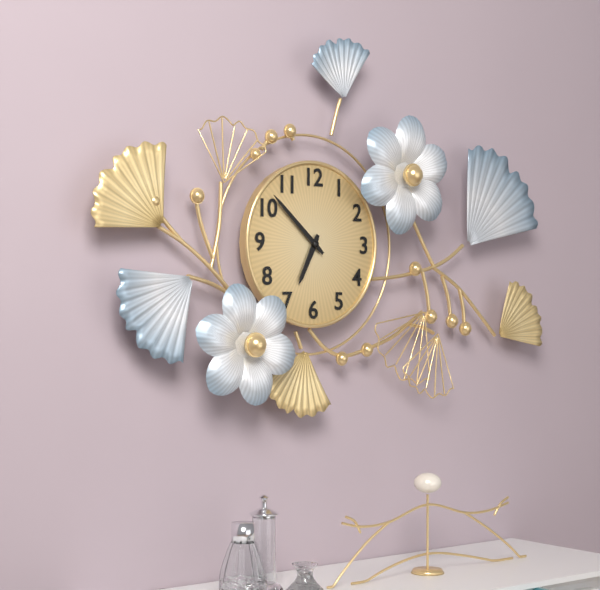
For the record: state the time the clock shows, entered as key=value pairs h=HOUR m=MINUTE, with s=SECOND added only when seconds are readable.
h=6 m=52
